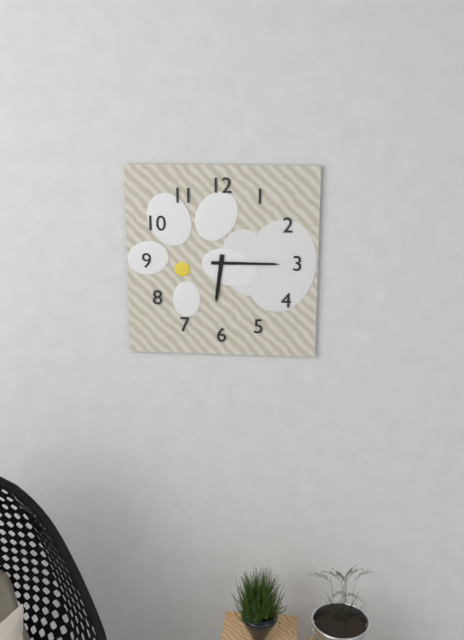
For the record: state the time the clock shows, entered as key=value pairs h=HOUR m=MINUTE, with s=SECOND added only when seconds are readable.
h=6 m=15
